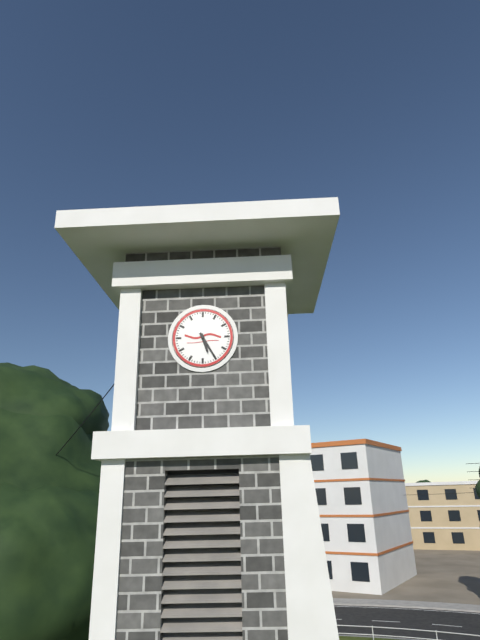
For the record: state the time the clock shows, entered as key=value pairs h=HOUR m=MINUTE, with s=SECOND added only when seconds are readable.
h=5 m=25
